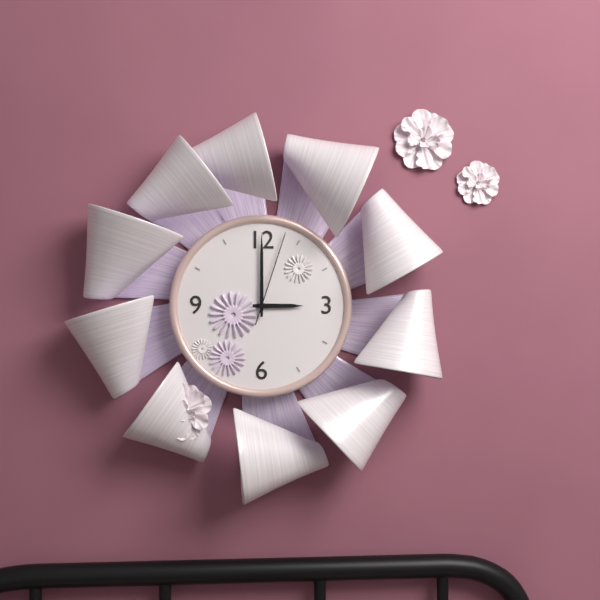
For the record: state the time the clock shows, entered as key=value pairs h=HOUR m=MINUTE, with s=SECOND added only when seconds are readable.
h=3 m=0 s=3
